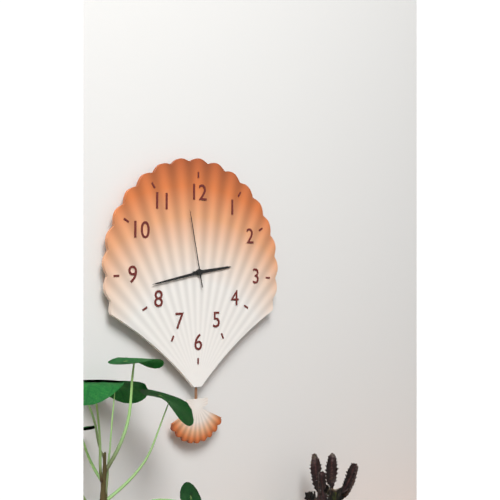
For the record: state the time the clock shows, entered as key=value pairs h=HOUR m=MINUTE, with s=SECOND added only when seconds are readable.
h=2 m=43 s=58
